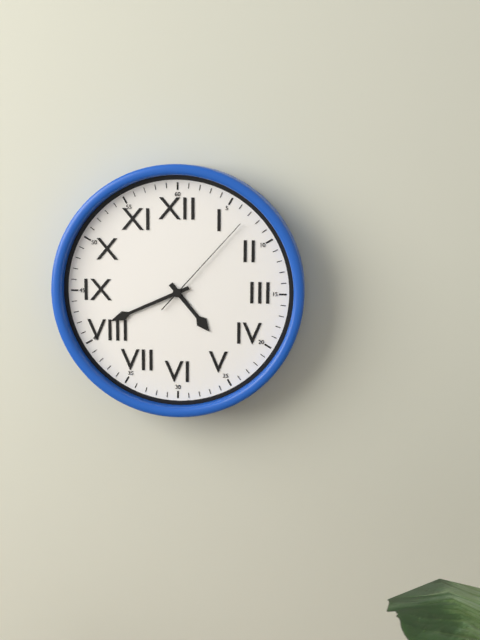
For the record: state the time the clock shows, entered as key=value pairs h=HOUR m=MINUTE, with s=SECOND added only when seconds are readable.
h=4 m=41 s=7
